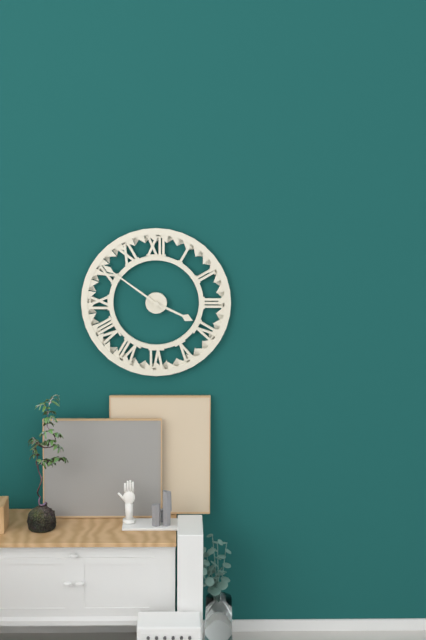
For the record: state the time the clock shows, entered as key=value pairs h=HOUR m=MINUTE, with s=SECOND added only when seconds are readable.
h=3 m=51
